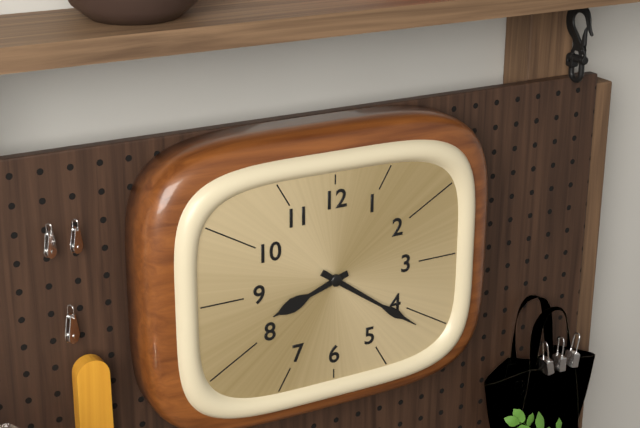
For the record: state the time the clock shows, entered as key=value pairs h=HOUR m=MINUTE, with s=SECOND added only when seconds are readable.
h=8 m=21
